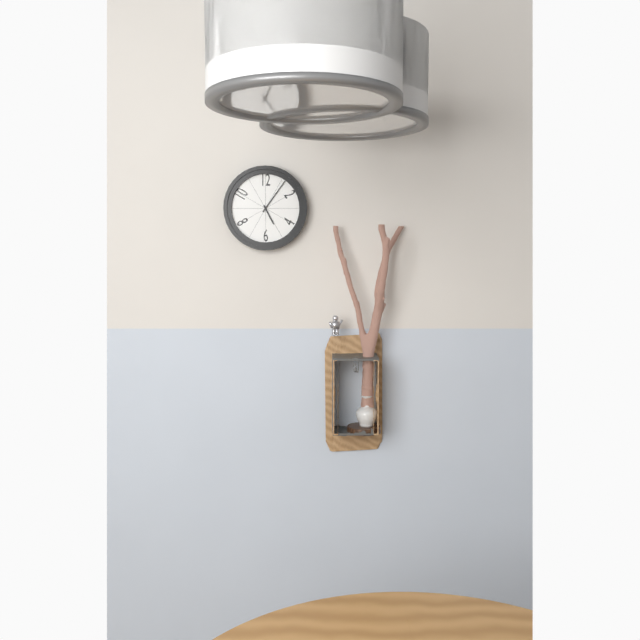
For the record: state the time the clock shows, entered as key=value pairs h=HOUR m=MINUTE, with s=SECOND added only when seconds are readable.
h=5 m=6
